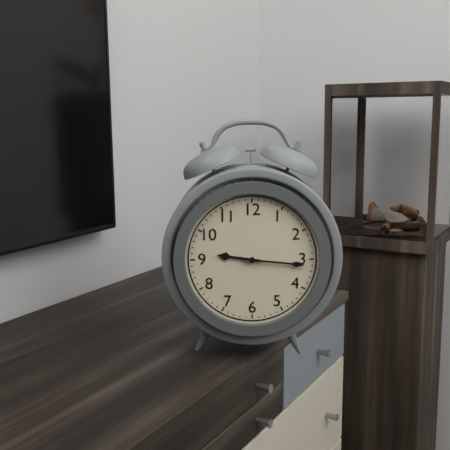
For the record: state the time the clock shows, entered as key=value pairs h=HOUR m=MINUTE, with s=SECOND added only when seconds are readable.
h=9 m=16
